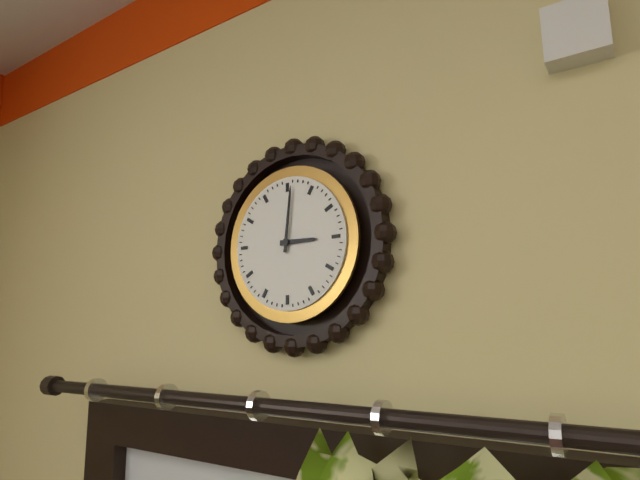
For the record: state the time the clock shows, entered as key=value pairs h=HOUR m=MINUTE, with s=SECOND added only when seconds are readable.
h=3 m=1
